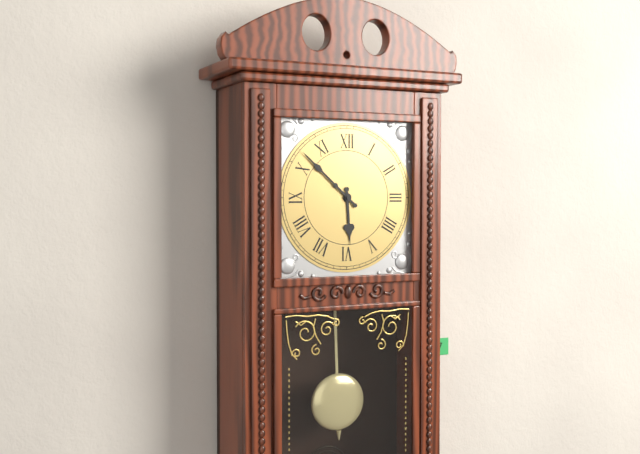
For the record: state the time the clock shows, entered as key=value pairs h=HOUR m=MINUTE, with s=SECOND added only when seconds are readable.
h=5 m=52
